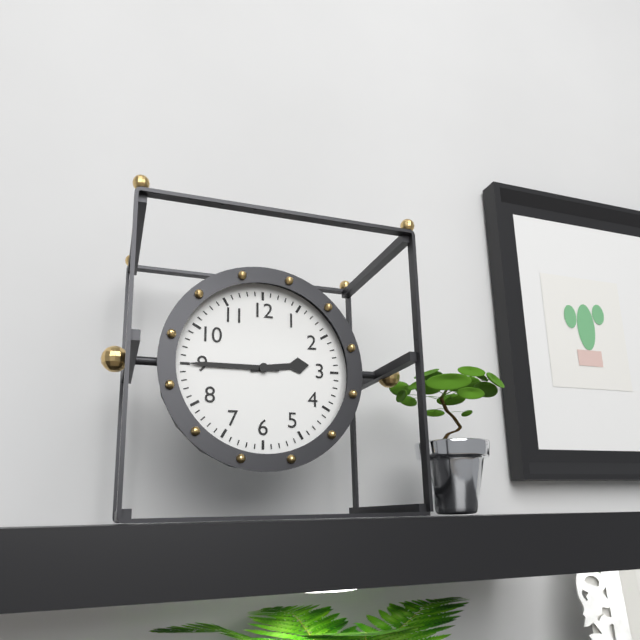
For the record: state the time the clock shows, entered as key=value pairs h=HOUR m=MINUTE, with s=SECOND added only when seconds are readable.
h=2 m=45
